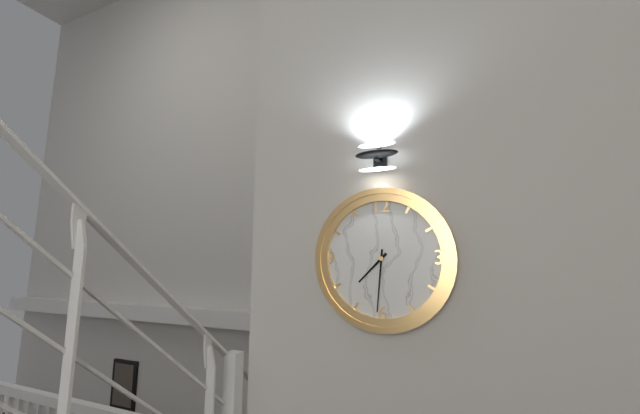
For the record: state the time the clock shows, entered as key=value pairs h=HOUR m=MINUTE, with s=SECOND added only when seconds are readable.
h=7 m=31
